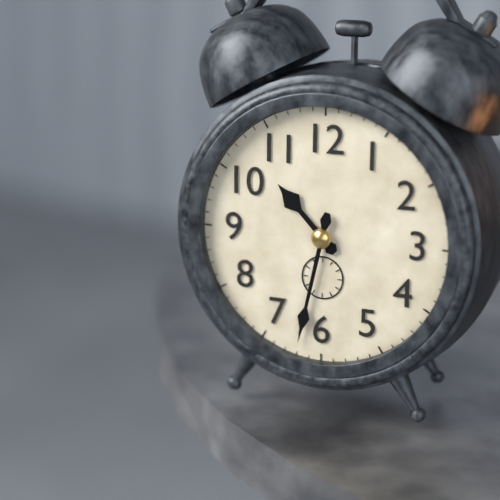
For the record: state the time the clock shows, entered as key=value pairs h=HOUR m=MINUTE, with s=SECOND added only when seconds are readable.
h=10 m=32
